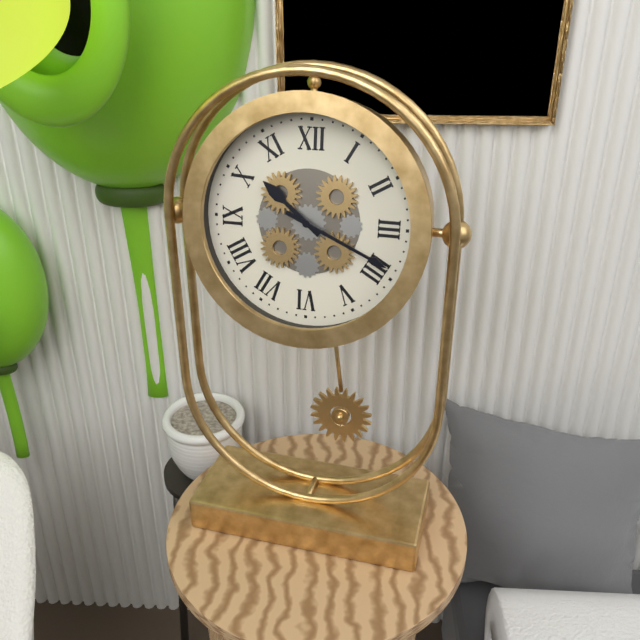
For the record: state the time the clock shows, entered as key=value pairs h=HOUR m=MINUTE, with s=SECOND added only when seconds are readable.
h=10 m=19
